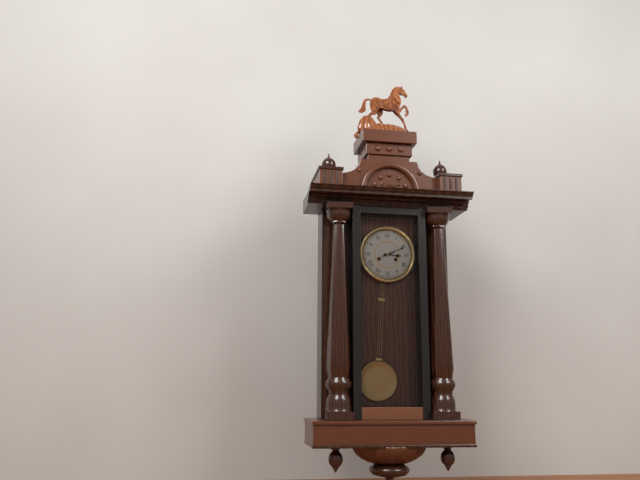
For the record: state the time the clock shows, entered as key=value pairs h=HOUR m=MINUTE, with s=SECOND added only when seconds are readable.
h=3 m=11
